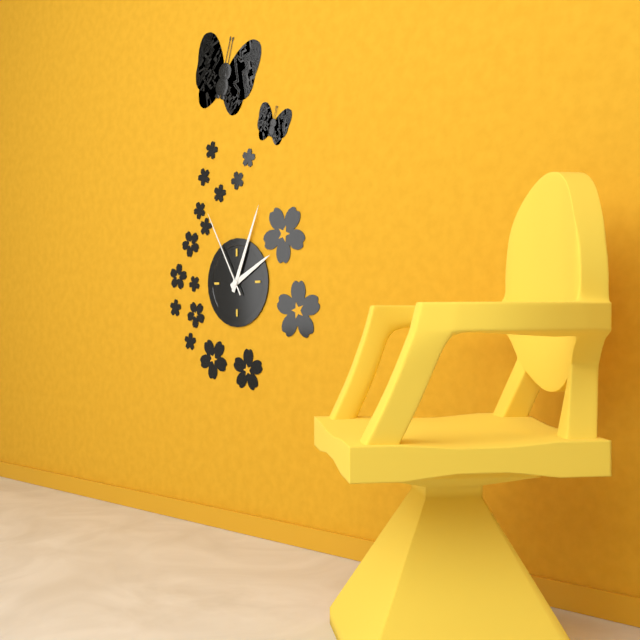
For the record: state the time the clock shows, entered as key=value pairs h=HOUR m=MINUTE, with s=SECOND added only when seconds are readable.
h=2 m=4 s=55
